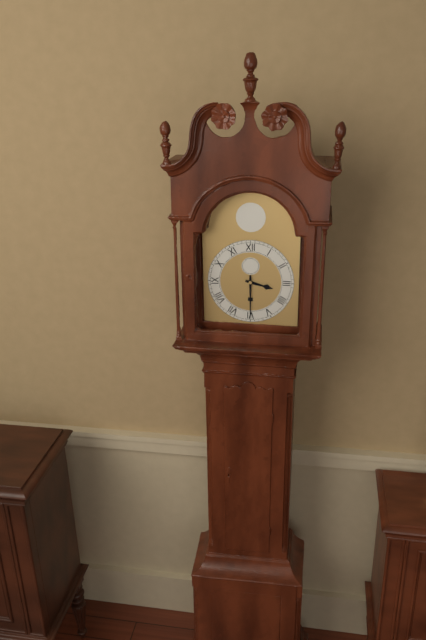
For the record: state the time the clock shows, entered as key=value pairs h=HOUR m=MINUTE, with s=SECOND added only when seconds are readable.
h=3 m=30
